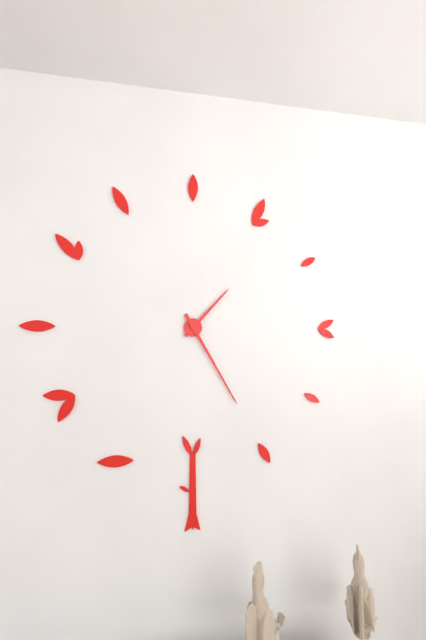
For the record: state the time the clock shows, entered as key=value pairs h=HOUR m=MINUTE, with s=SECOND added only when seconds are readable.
h=1 m=25
